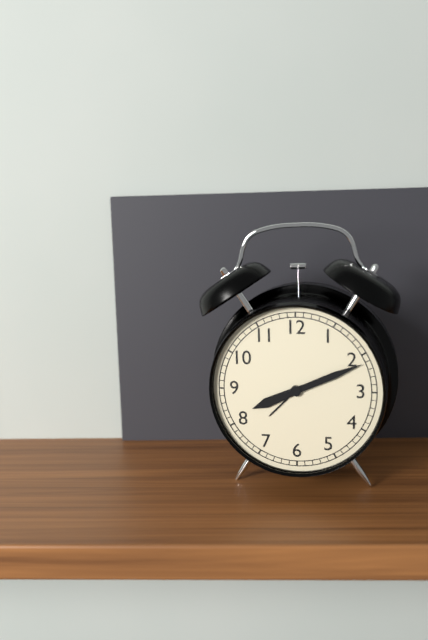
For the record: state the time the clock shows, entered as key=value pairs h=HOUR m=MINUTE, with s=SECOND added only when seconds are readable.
h=8 m=11
